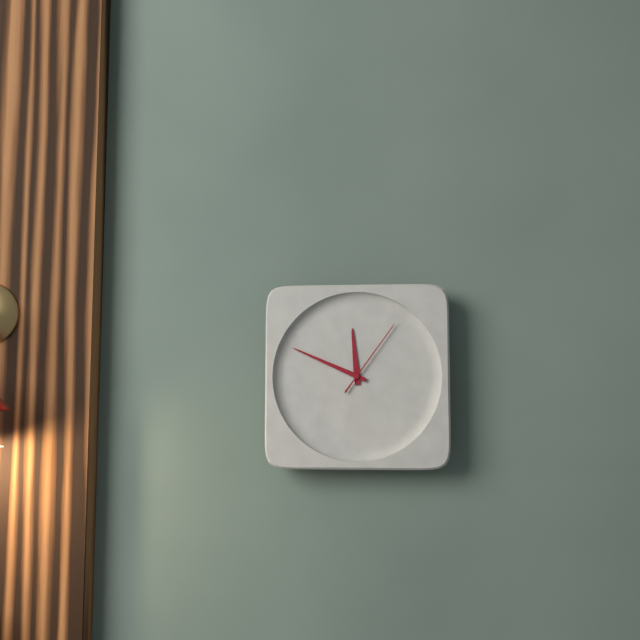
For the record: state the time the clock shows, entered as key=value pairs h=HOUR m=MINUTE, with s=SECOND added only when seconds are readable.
h=11 m=49 s=6
